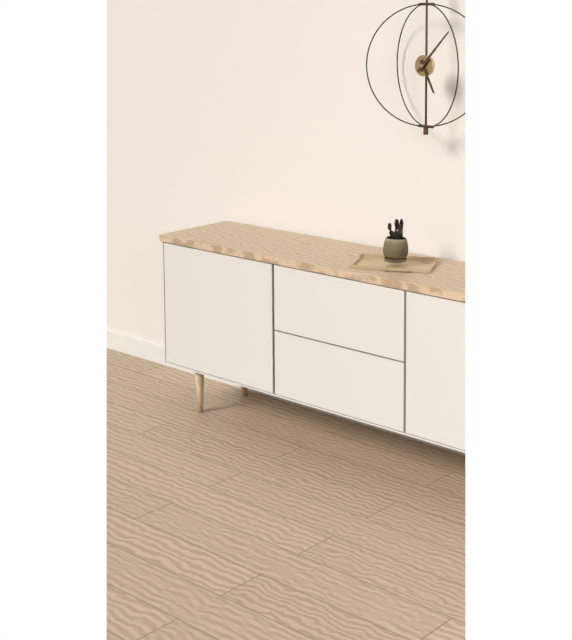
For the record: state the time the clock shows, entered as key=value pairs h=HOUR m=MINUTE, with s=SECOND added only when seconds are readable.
h=5 m=7
